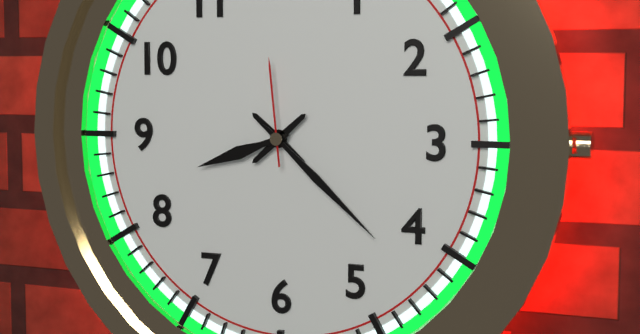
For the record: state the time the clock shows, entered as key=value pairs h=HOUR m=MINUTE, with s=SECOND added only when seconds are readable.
h=8 m=22 s=59
